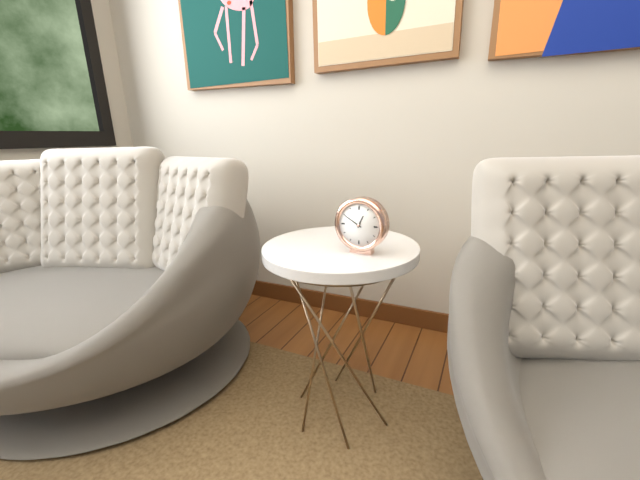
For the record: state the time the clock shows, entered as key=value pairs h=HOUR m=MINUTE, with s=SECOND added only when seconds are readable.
h=12 m=50
